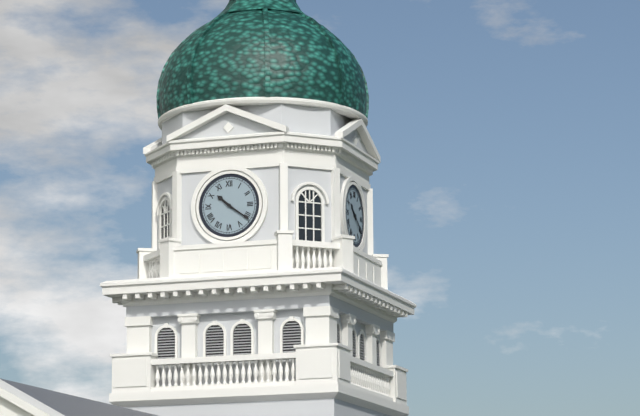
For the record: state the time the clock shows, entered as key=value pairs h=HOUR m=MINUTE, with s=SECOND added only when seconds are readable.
h=10 m=21
